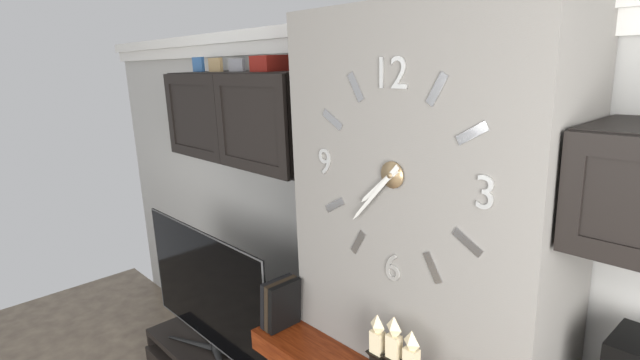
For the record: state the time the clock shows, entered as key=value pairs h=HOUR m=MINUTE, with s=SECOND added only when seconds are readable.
h=7 m=37
